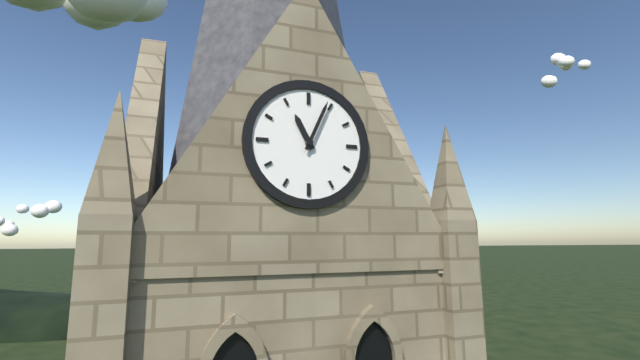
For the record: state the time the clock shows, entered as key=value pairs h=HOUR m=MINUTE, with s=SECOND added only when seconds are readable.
h=11 m=4
